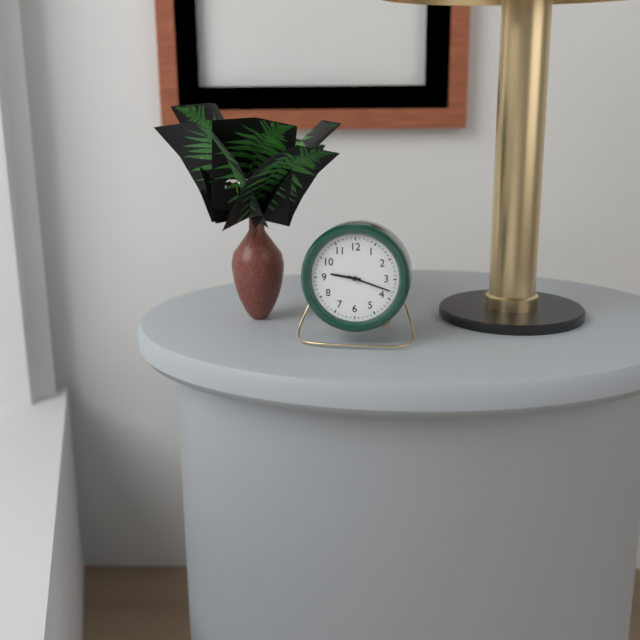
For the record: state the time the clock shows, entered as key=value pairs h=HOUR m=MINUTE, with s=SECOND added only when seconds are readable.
h=9 m=18
